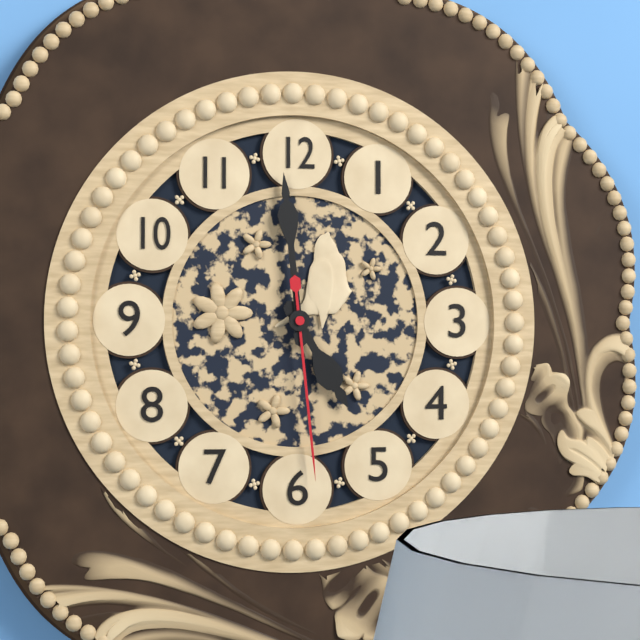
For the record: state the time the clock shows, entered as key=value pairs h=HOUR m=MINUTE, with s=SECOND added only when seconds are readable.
h=4 m=59 s=29
